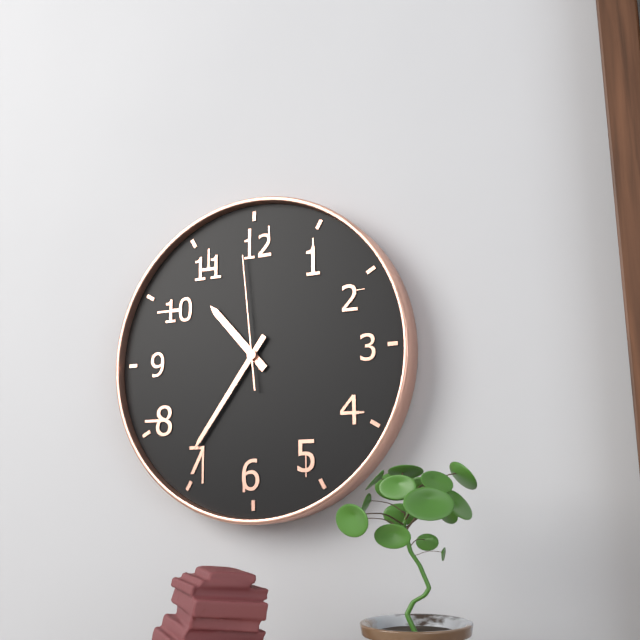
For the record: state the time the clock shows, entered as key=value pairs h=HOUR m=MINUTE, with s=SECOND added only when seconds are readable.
h=10 m=36 s=59
